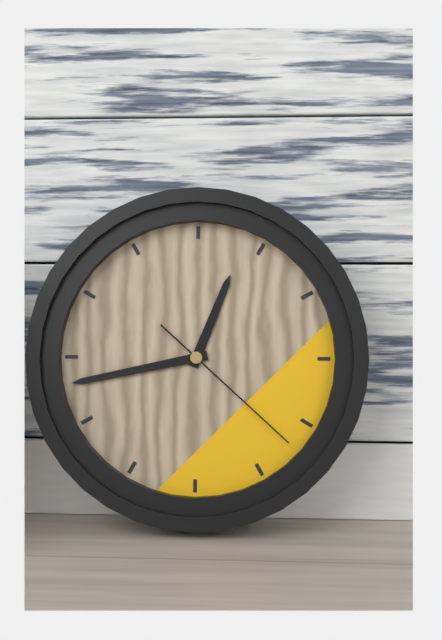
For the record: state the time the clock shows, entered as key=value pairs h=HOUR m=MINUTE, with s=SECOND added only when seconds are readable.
h=12 m=43 s=22
